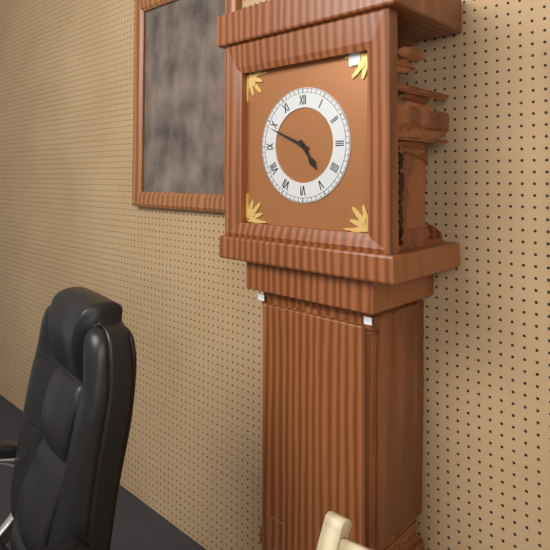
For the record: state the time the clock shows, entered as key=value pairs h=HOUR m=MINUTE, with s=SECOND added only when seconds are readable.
h=4 m=49
